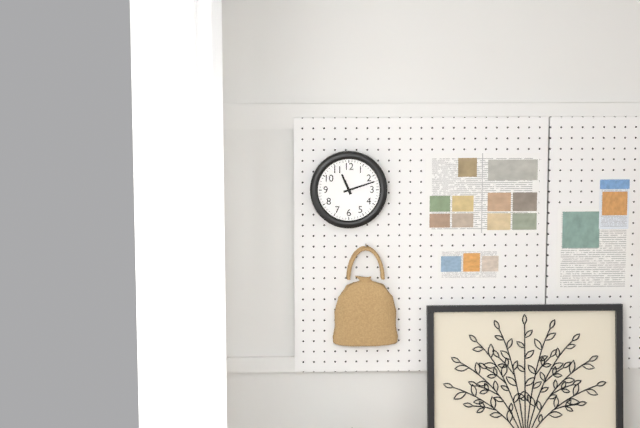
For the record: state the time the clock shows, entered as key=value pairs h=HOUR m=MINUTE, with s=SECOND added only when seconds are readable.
h=11 m=12
